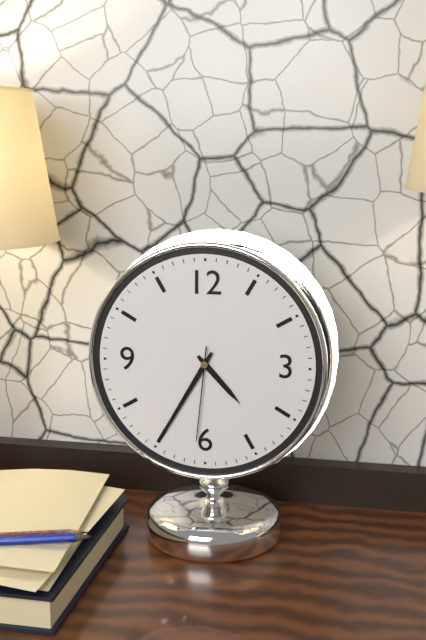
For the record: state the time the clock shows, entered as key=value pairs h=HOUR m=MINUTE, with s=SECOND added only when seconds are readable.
h=4 m=35 s=31
